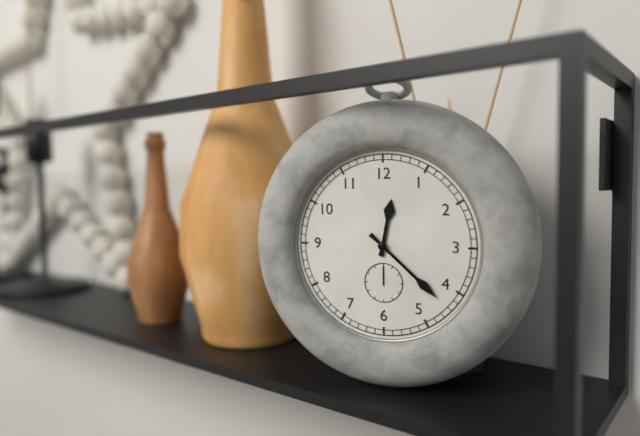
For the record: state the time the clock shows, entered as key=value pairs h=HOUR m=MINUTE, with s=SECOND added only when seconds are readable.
h=12 m=22
